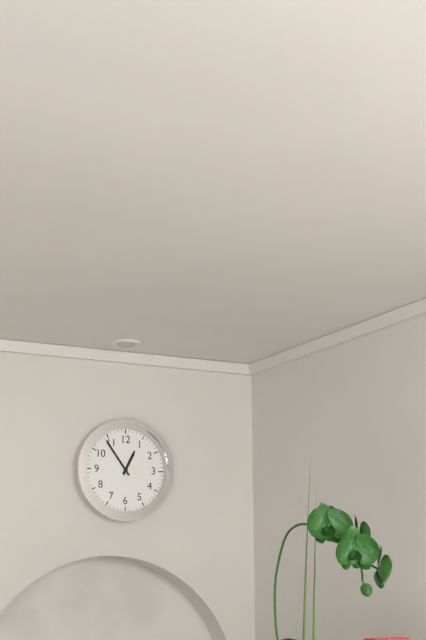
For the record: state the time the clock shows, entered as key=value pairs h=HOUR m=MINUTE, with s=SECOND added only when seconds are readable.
h=12 m=54
